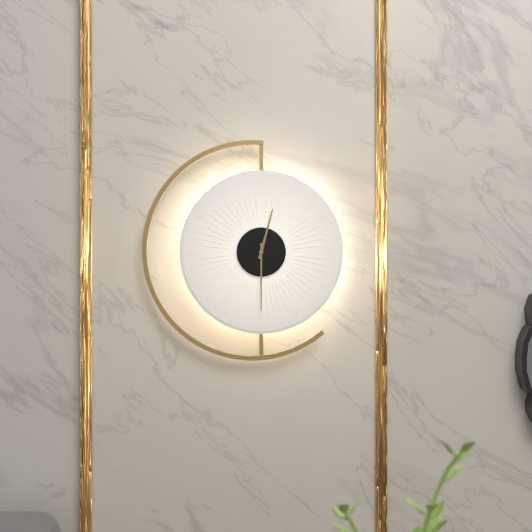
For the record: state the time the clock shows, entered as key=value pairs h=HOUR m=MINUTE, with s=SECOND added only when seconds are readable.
h=12 m=30
